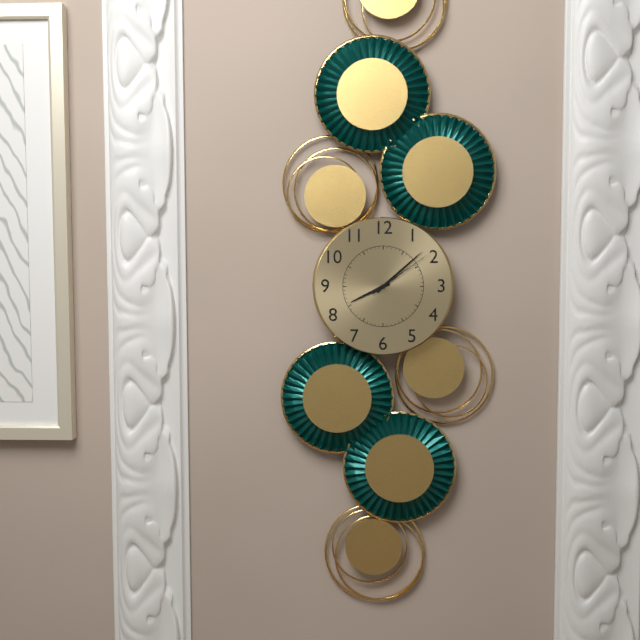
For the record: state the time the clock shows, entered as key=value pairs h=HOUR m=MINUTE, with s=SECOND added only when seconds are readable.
h=8 m=8 s=9
